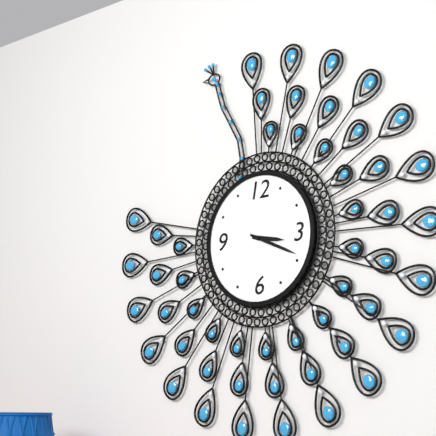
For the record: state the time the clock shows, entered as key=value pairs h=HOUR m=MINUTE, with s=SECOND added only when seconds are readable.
h=3 m=19
